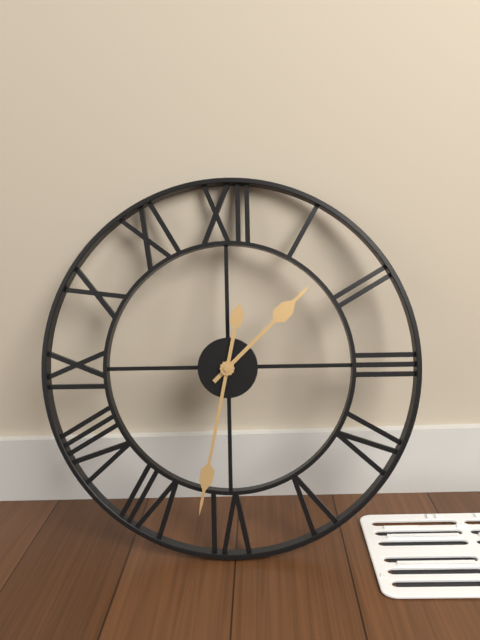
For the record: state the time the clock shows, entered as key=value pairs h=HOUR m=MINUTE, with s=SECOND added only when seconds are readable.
h=1 m=32
